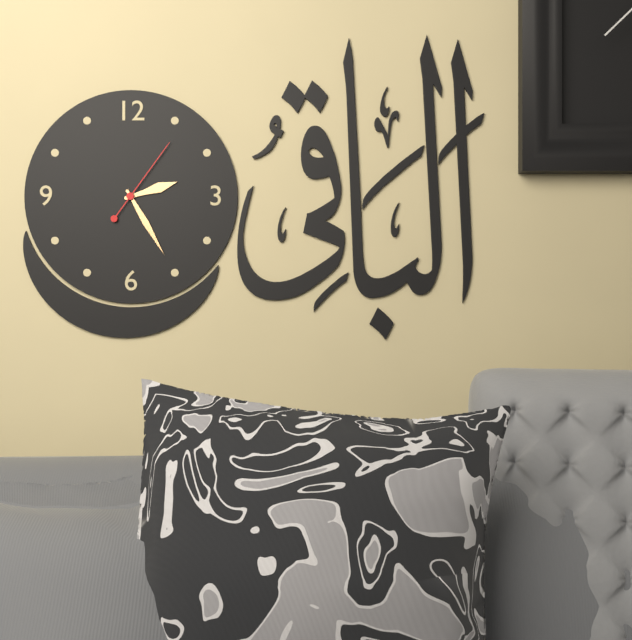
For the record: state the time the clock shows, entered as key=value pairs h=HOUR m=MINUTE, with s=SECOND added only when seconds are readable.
h=2 m=25 s=6
